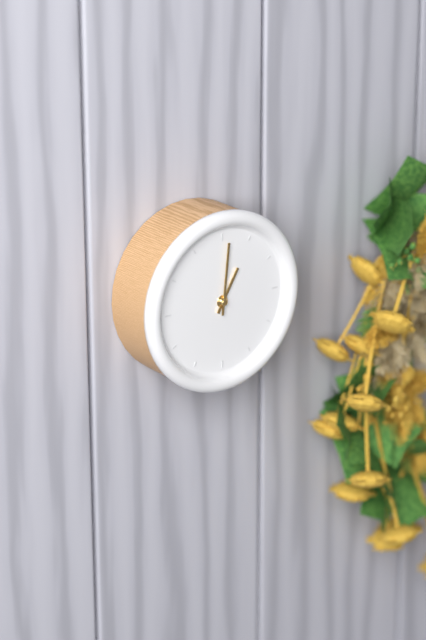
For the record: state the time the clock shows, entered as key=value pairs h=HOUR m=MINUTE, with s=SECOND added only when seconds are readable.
h=1 m=1
